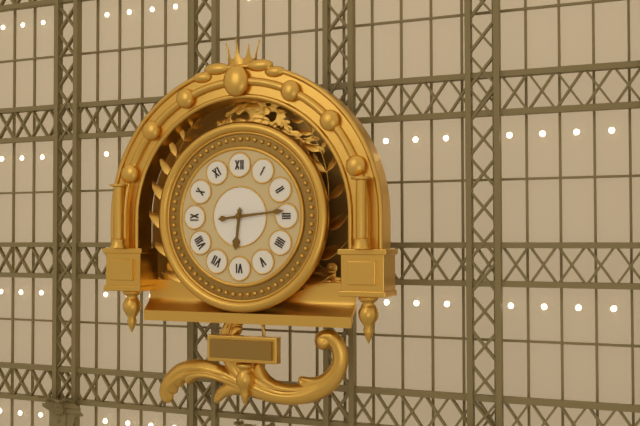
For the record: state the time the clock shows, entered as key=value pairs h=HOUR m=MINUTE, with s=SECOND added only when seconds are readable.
h=6 m=14
